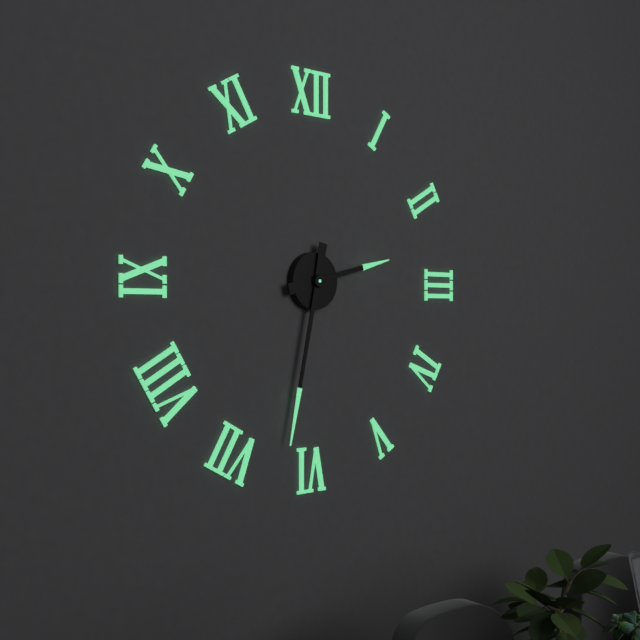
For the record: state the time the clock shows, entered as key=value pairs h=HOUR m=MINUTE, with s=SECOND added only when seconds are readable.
h=2 m=32
